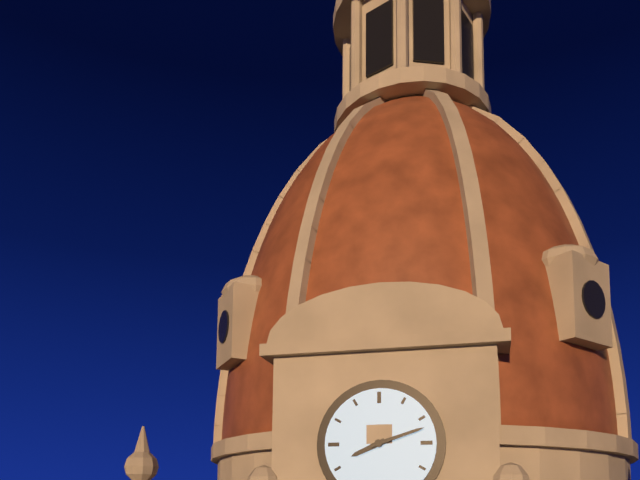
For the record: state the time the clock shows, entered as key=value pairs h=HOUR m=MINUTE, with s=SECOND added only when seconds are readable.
h=8 m=12
